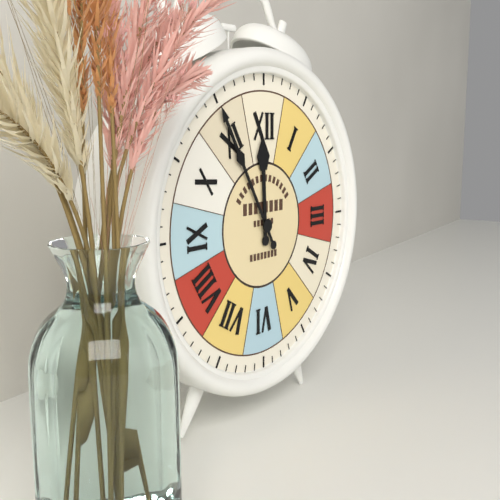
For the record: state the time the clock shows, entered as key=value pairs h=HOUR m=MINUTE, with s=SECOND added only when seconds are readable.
h=11 m=55
